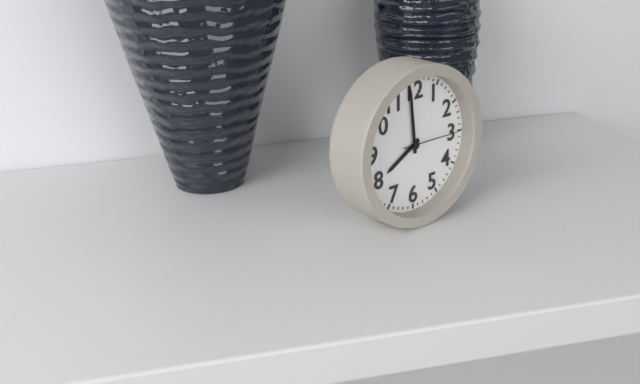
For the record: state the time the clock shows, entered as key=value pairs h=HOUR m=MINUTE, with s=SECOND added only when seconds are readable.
h=7 m=59 s=15
